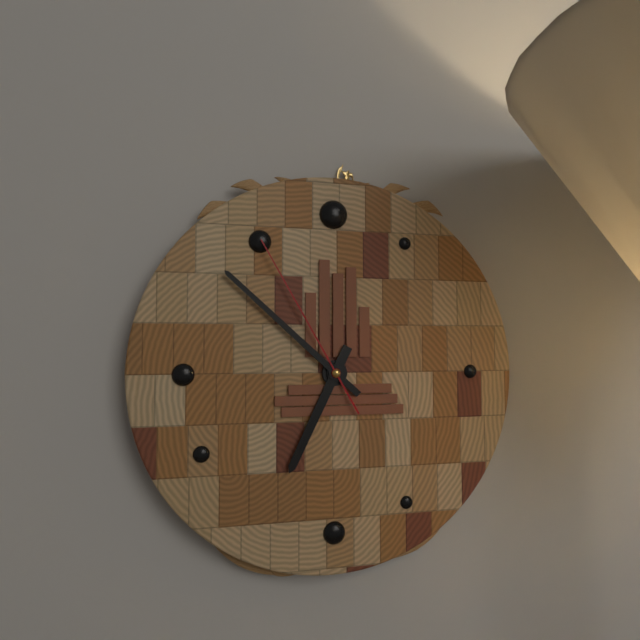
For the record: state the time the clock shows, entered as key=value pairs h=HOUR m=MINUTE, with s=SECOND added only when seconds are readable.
h=6 m=52 s=55
